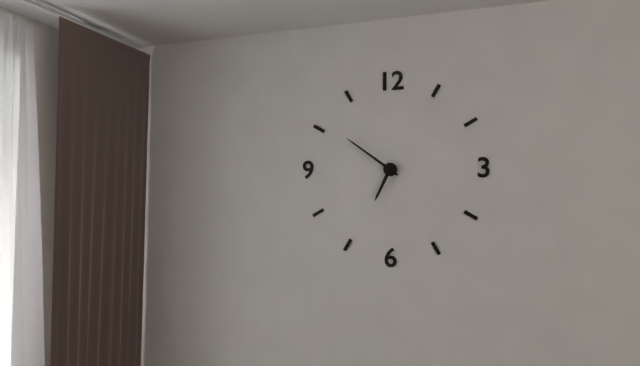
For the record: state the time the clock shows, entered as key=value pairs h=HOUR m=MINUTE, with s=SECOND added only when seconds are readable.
h=6 m=51
